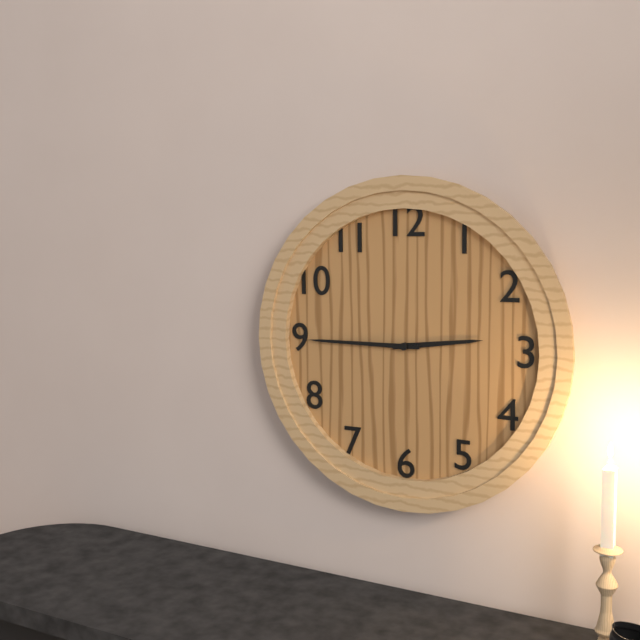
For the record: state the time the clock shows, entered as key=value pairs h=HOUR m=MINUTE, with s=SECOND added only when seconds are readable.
h=2 m=45
